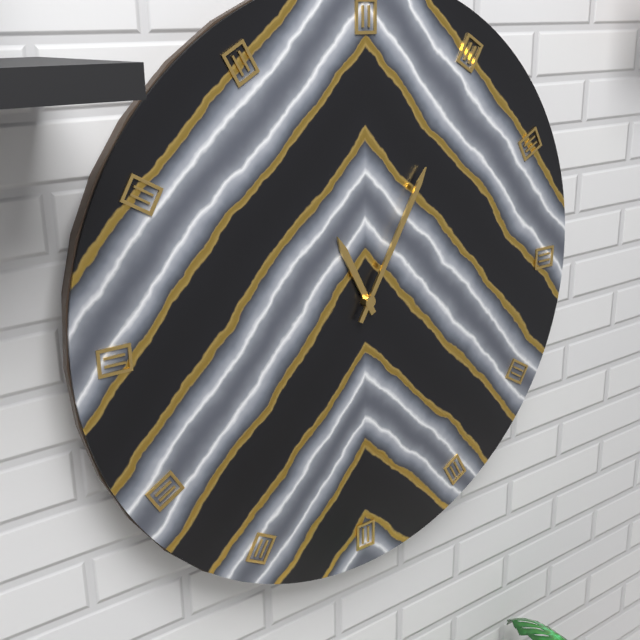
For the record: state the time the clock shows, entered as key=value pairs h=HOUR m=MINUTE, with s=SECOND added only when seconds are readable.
h=11 m=5
